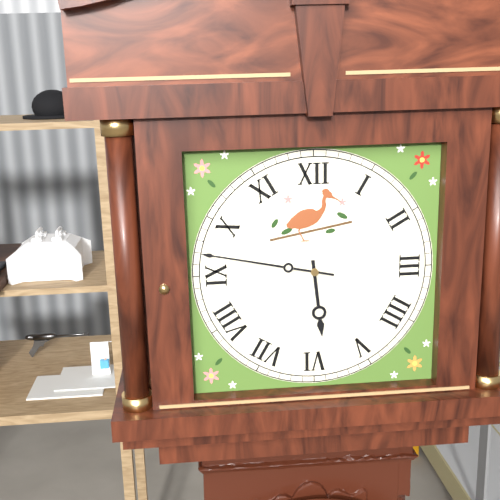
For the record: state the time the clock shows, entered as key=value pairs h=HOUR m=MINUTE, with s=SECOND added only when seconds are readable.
h=5 m=47
